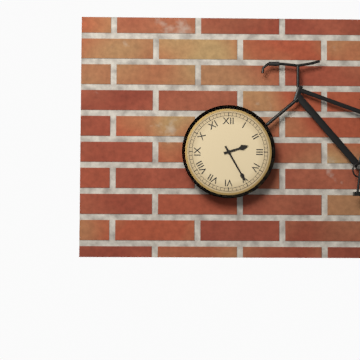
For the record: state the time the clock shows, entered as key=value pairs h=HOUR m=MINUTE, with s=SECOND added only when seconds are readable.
h=2 m=25
